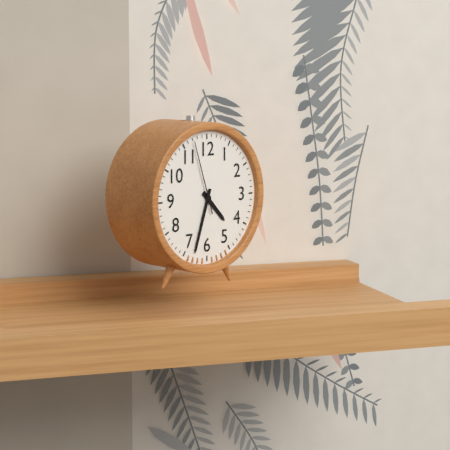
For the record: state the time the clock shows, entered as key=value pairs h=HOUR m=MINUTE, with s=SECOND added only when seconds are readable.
h=4 m=33 s=57
